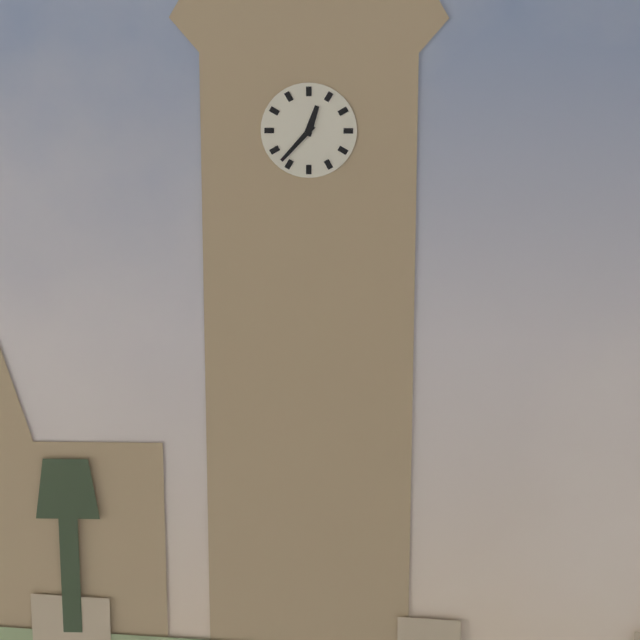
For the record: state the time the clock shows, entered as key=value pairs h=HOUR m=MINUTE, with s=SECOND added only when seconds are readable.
h=12 m=37
